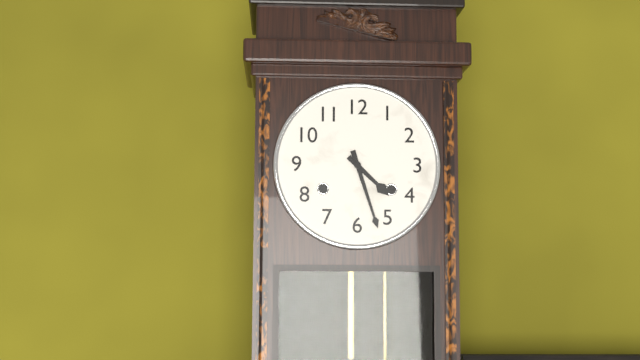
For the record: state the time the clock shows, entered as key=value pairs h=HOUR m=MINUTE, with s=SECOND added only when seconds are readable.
h=4 m=27
